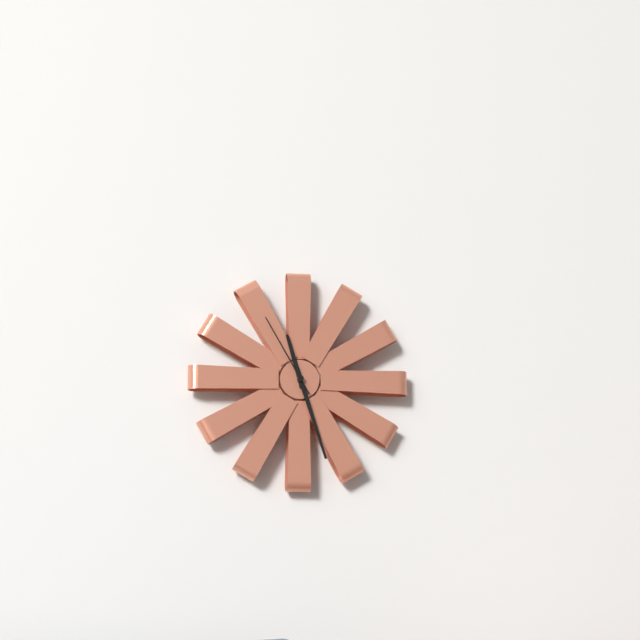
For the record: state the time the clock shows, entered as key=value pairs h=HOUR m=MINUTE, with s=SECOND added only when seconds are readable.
h=11 m=27 s=55
